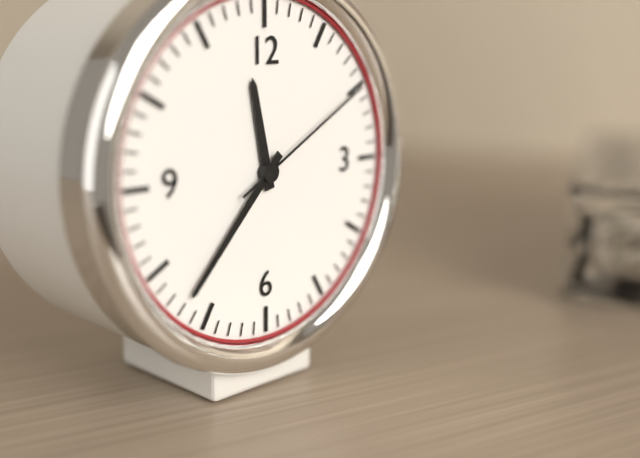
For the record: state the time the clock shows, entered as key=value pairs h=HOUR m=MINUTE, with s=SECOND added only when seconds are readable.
h=11 m=37 s=10
